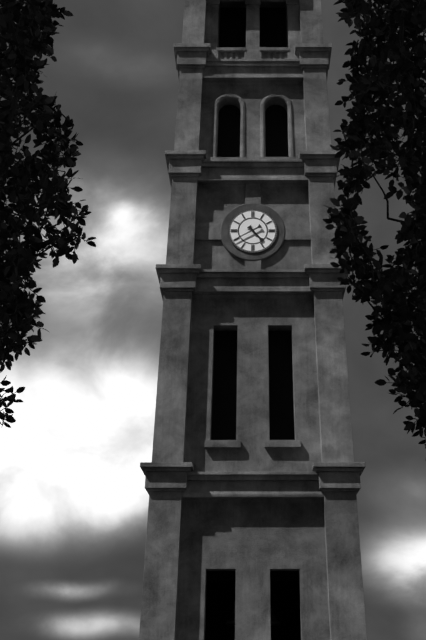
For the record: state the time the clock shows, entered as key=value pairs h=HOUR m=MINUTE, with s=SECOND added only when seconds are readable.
h=4 m=40
